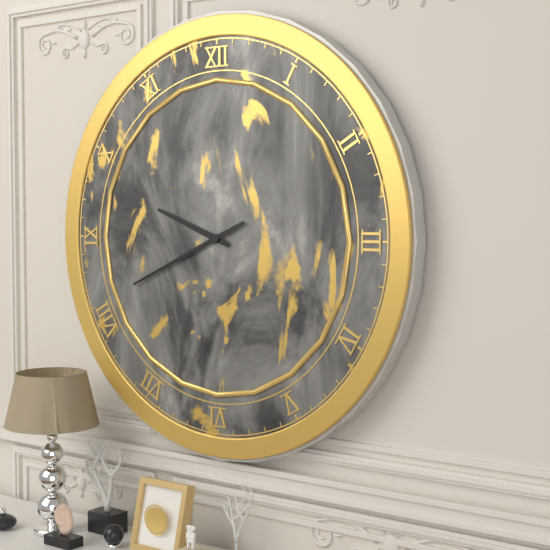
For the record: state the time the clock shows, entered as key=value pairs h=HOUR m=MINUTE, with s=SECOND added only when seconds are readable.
h=9 m=41
